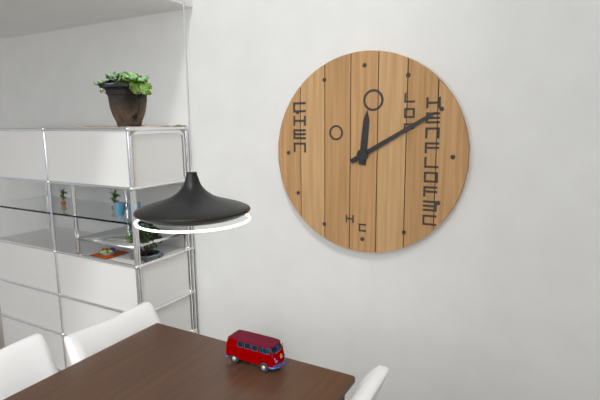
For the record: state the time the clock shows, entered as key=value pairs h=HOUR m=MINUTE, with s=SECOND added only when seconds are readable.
h=12 m=10
